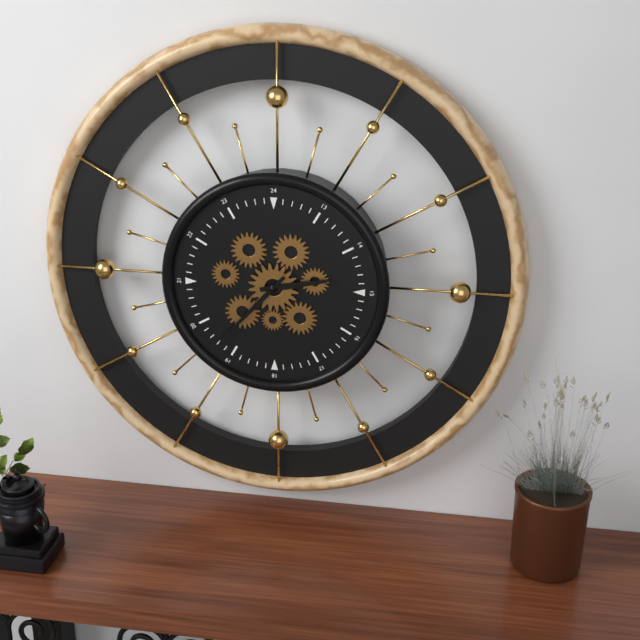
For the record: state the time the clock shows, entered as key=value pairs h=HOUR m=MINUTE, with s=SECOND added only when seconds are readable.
h=2 m=37
